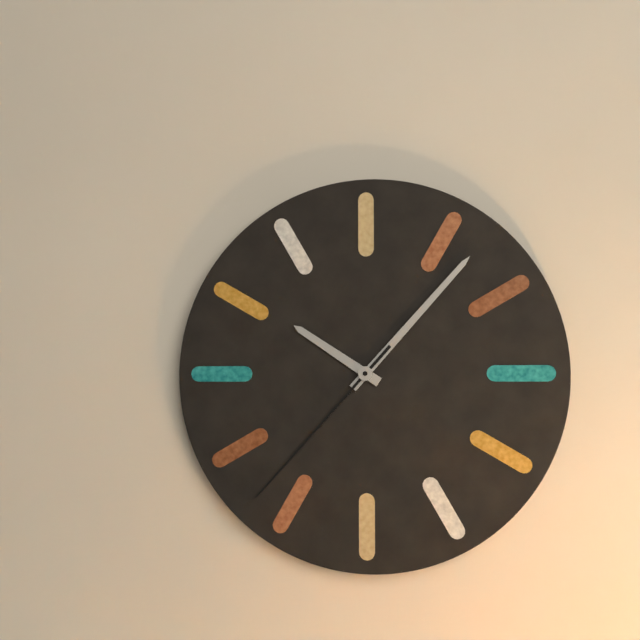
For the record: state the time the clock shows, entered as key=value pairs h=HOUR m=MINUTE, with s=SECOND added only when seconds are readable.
h=10 m=7 s=37
